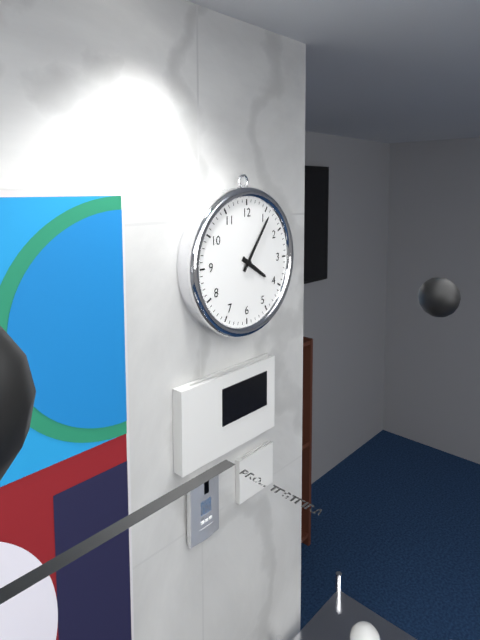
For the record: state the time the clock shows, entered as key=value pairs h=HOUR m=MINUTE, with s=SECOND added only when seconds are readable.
h=4 m=6
